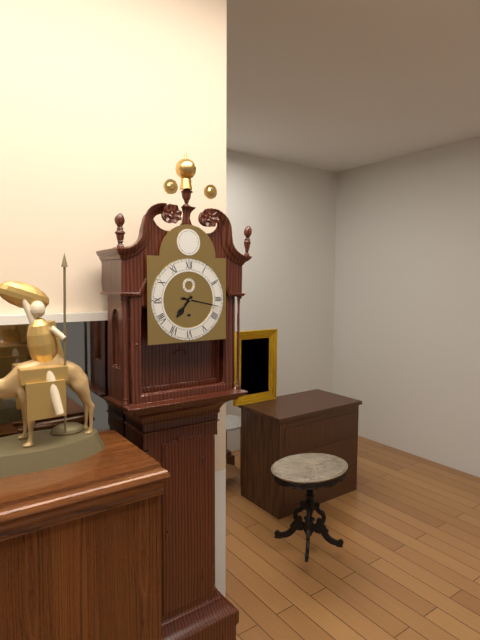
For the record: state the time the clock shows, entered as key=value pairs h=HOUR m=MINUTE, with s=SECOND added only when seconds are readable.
h=7 m=17
